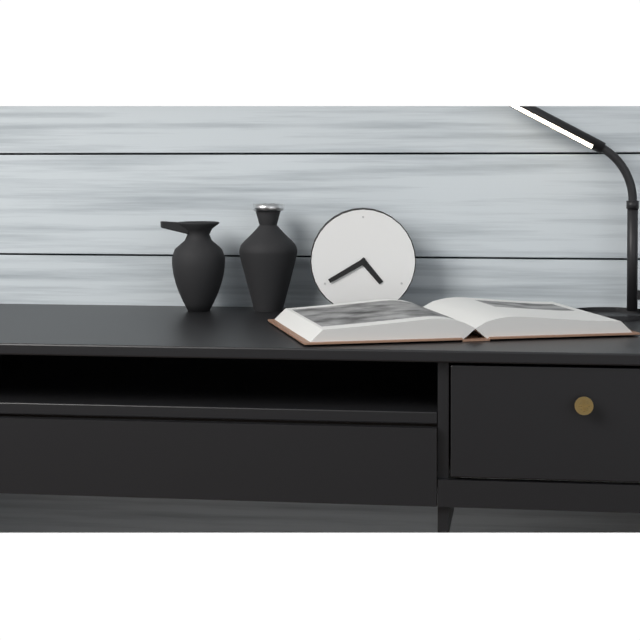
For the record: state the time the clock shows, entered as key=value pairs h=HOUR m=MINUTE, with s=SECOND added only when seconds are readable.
h=4 m=40
